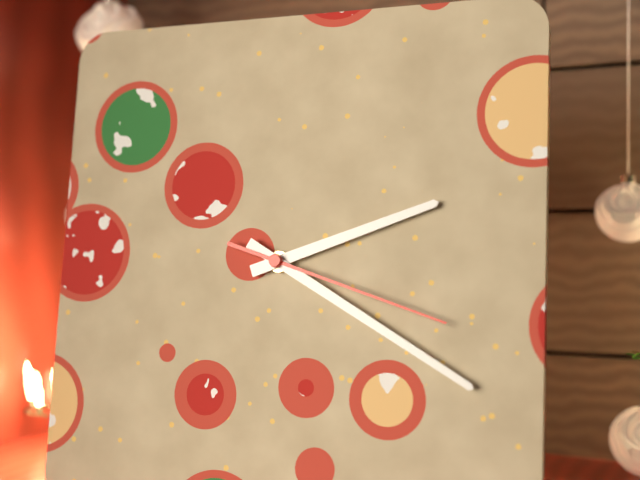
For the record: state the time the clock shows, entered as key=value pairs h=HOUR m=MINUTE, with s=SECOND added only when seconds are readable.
h=2 m=20 s=18
